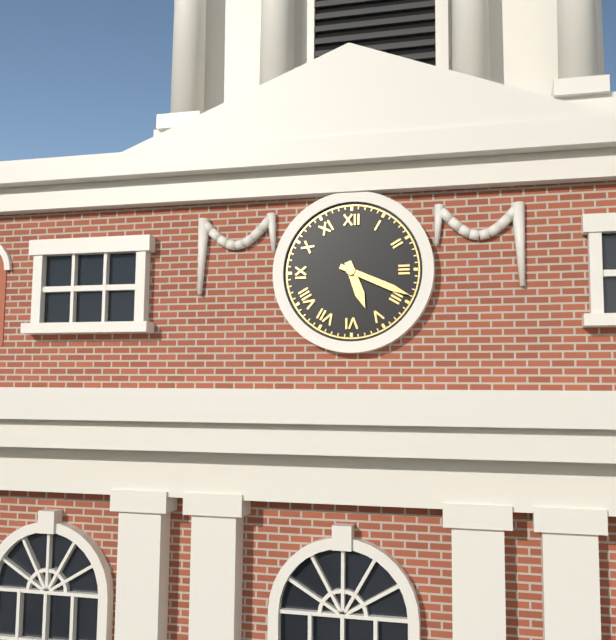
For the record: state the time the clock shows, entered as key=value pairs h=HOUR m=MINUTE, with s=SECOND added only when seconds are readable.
h=5 m=19
